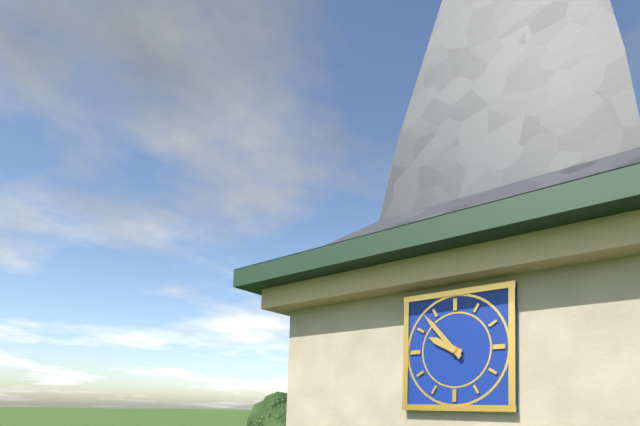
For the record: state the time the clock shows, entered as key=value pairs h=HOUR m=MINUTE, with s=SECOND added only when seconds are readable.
h=9 m=53
